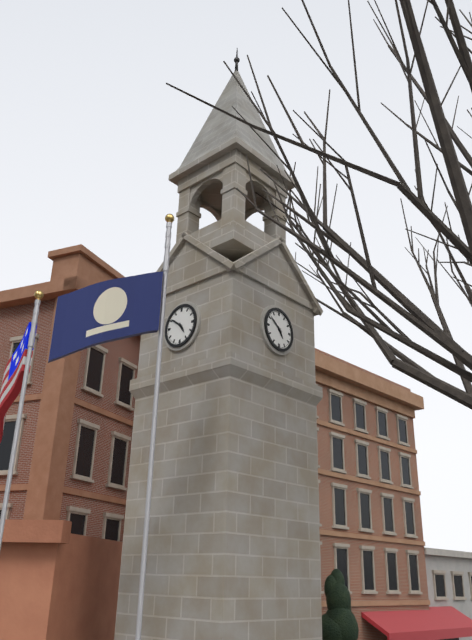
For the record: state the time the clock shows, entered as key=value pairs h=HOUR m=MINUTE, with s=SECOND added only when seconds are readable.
h=4 m=51
